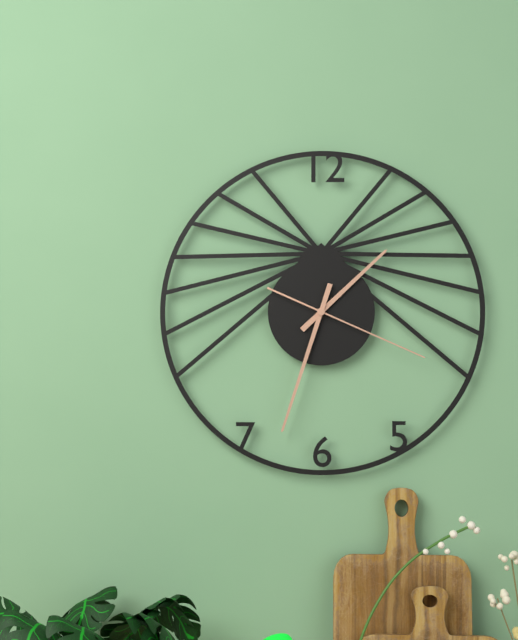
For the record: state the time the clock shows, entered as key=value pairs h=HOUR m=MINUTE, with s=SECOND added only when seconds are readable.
h=1 m=33 s=19
